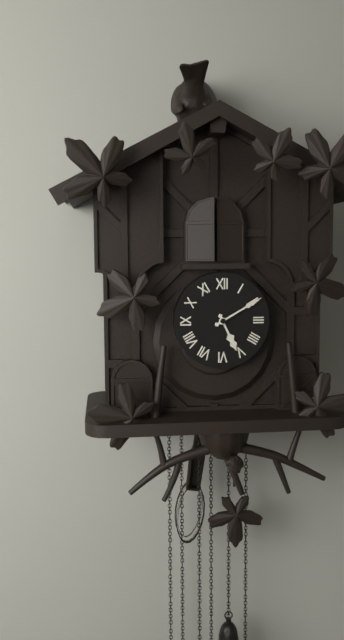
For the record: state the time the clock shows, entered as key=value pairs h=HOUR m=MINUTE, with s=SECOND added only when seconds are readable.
h=5 m=10
